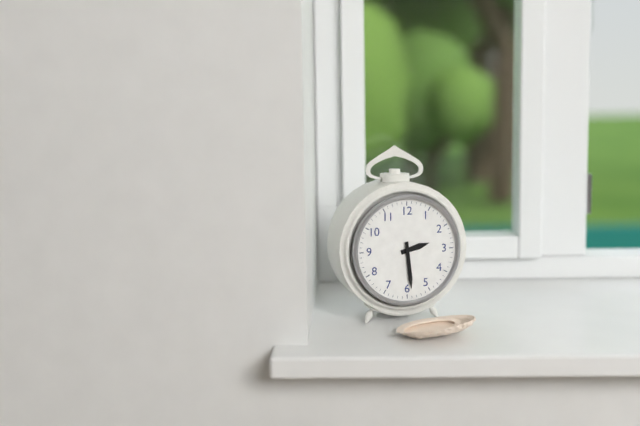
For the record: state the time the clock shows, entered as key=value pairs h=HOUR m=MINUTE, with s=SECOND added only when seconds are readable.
h=2 m=29
